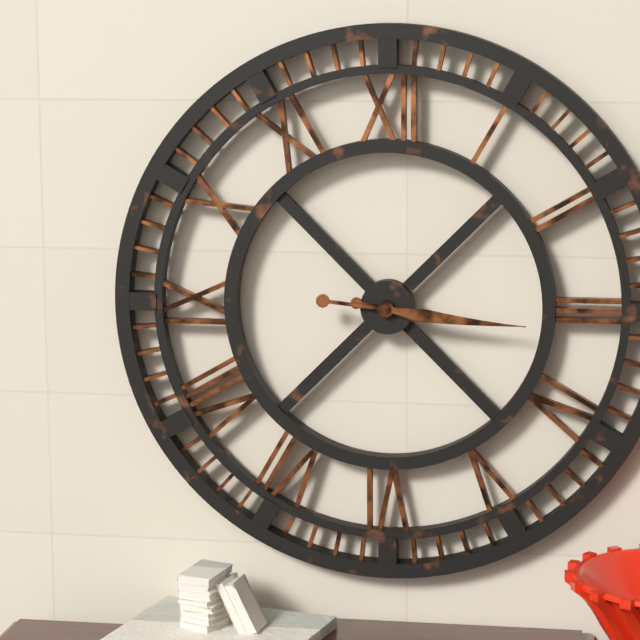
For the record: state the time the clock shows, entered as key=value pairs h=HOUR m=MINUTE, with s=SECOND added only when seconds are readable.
h=3 m=16
